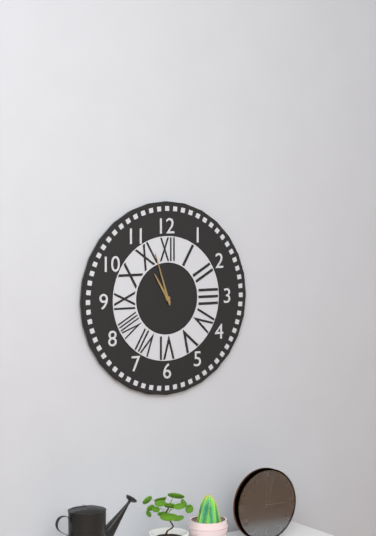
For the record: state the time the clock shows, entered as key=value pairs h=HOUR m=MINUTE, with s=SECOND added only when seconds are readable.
h=10 m=57
